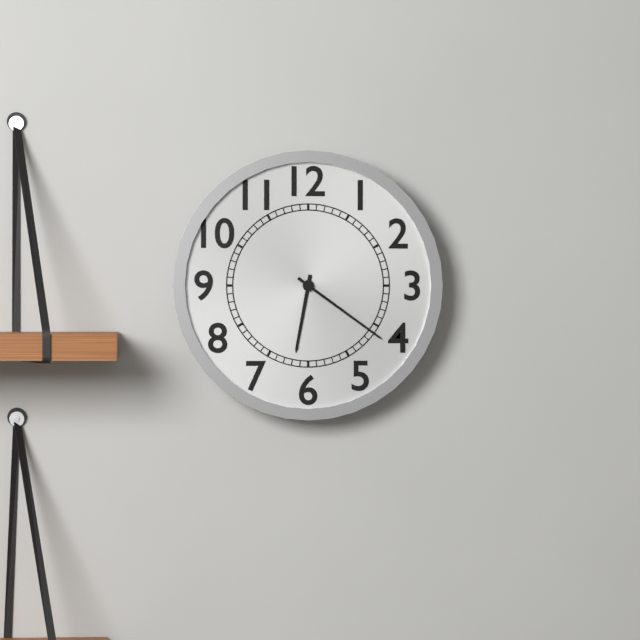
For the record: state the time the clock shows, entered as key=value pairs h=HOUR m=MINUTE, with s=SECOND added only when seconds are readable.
h=6 m=21
